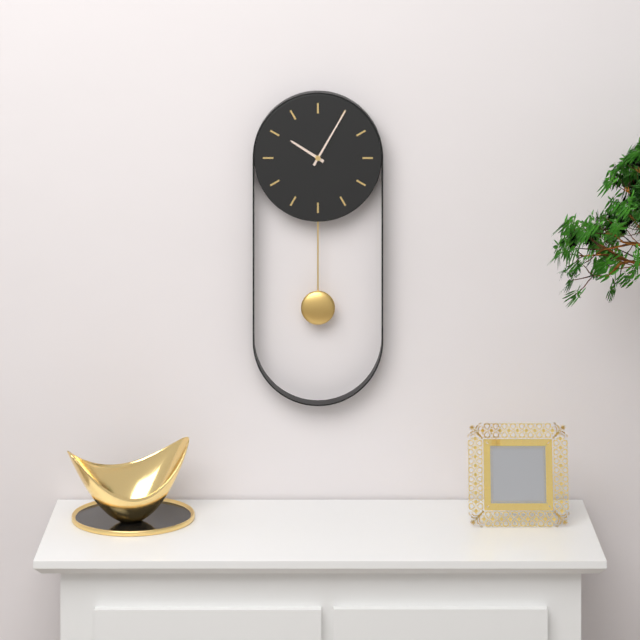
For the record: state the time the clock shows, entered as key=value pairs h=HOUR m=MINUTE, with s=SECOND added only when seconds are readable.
h=10 m=5
